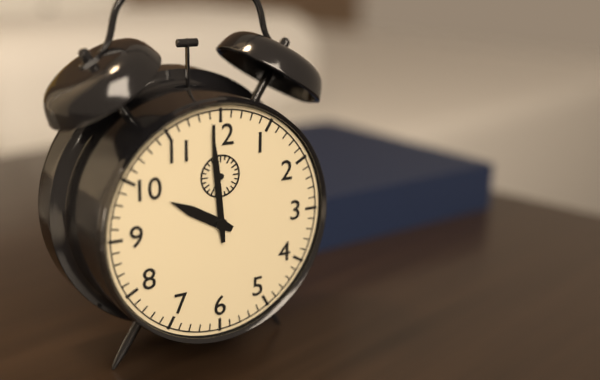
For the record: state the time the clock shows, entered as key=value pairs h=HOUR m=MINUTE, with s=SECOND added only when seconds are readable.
h=9 m=59
